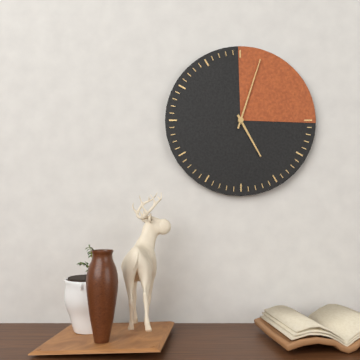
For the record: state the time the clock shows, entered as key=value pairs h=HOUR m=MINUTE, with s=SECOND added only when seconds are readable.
h=5 m=3
